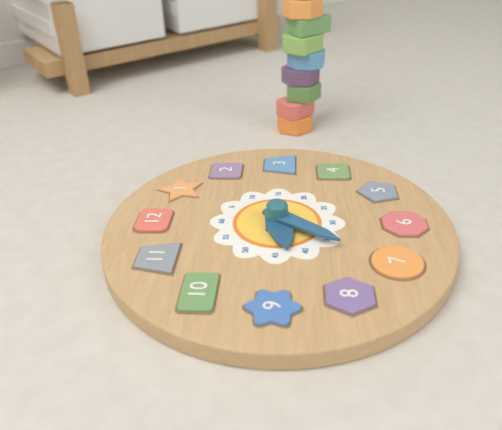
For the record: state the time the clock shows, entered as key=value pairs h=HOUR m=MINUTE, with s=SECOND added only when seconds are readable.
h=8 m=36
